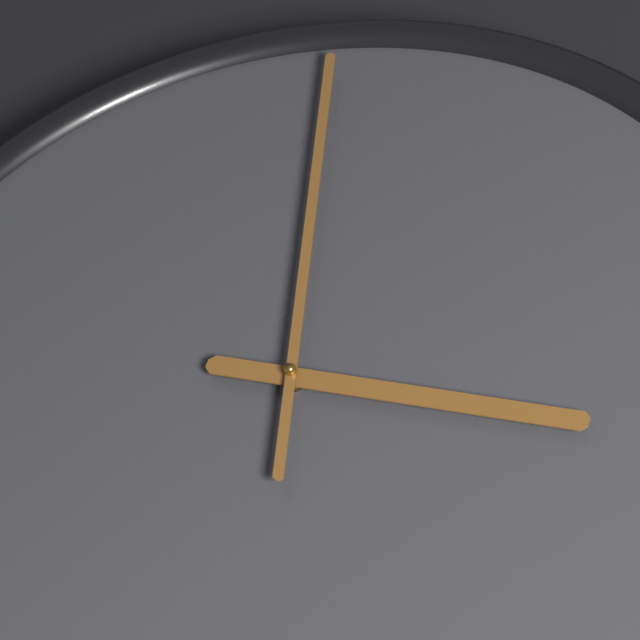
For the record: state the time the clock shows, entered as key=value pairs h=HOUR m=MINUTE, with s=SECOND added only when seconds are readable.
h=4 m=3
